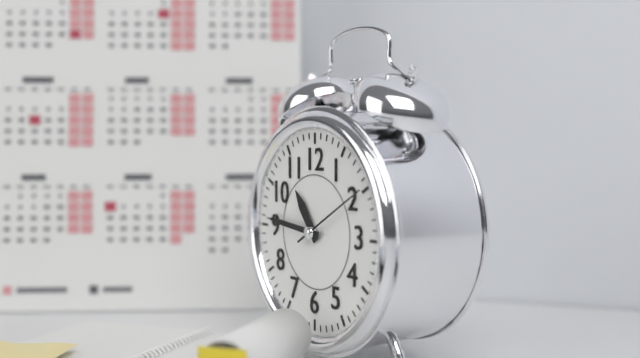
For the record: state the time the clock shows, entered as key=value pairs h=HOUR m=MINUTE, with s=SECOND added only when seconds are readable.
h=10 m=46 s=10
